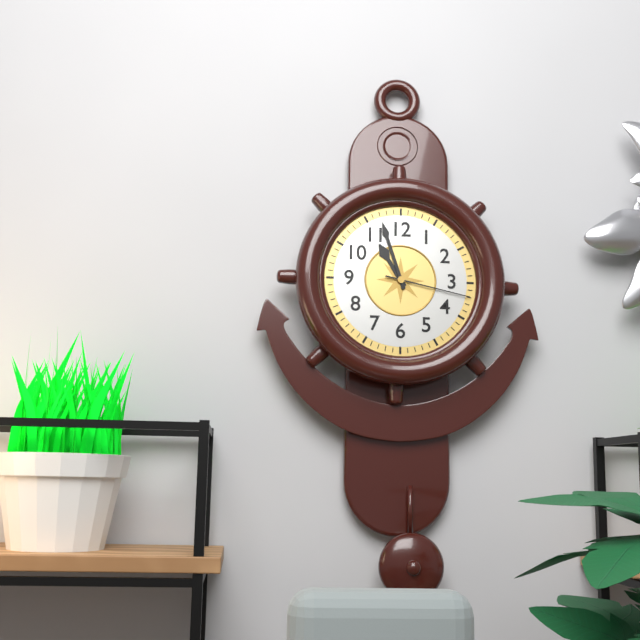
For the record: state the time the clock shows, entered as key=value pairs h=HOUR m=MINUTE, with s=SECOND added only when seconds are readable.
h=10 m=57 s=17
